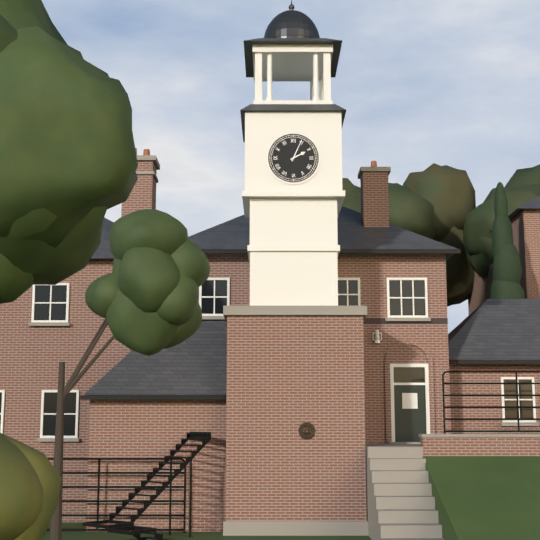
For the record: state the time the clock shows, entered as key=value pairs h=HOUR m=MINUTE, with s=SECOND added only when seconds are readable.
h=2 m=4
